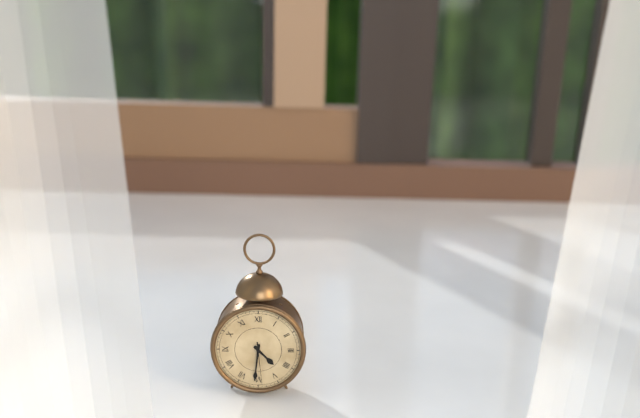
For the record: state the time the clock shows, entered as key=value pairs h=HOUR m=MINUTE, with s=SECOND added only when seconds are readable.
h=4 m=31
